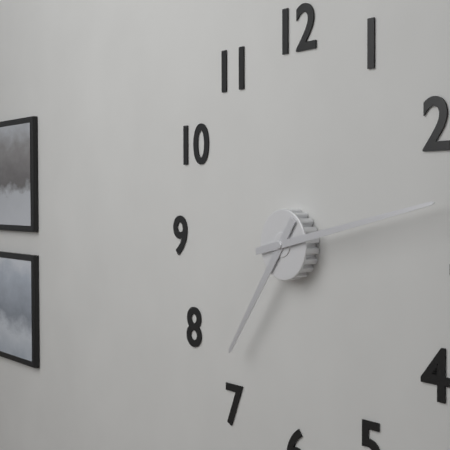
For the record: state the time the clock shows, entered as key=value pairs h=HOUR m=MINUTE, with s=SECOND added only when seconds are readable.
h=7 m=13
